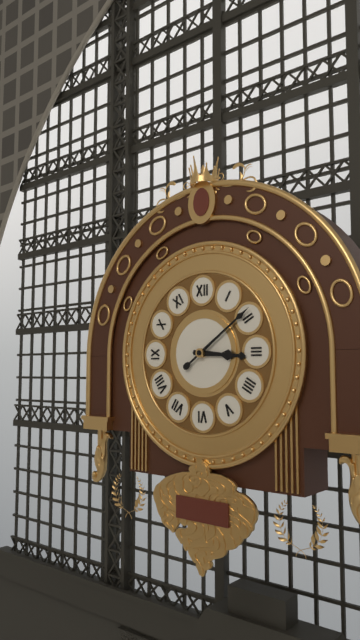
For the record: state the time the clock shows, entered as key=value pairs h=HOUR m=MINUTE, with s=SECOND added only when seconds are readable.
h=3 m=9
